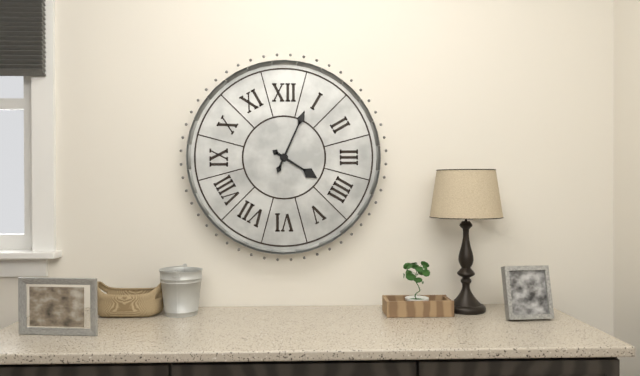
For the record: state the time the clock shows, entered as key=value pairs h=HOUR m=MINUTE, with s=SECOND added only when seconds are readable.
h=4 m=4
